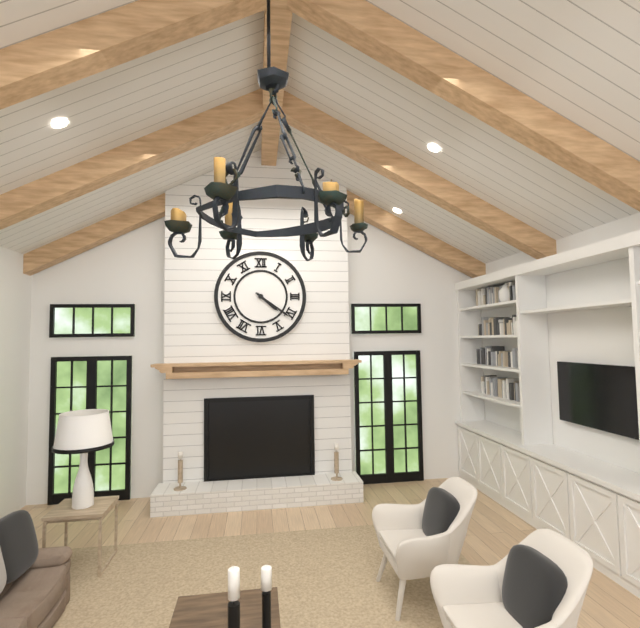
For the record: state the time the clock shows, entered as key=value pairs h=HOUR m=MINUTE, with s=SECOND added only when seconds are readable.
h=4 m=21
